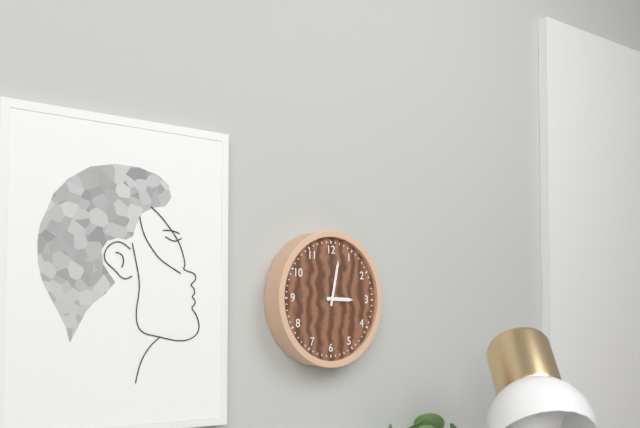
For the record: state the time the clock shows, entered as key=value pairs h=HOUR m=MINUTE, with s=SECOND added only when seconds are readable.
h=3 m=2
